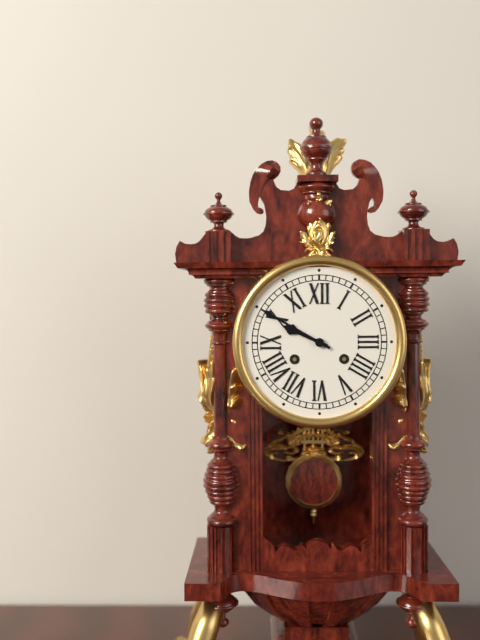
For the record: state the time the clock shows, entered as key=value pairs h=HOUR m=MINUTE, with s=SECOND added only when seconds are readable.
h=9 m=50
